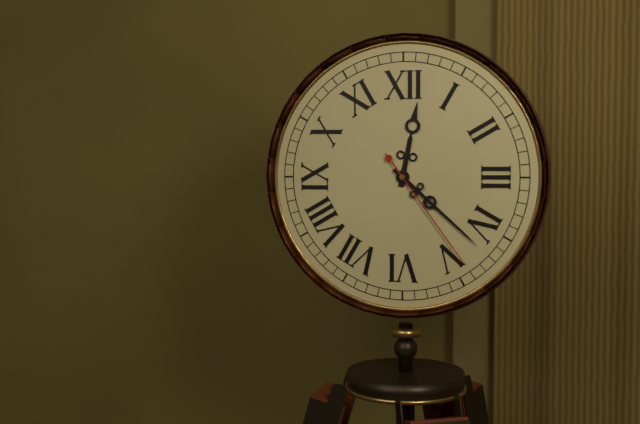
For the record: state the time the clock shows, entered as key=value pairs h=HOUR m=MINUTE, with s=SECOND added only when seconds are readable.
h=12 m=22 s=24
